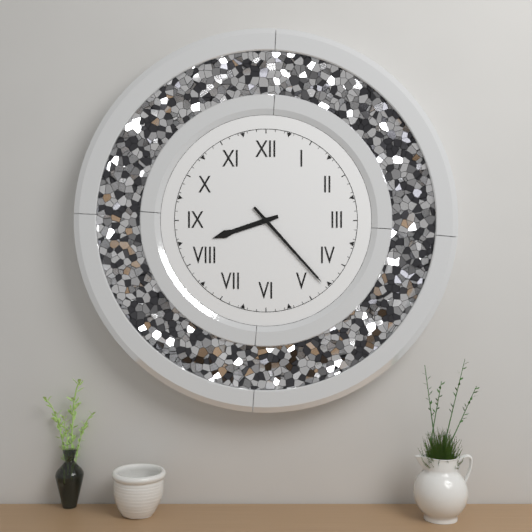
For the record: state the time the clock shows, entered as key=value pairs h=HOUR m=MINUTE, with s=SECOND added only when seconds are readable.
h=8 m=23
